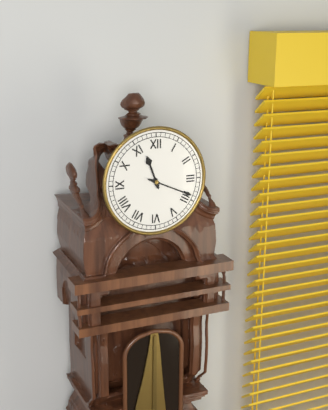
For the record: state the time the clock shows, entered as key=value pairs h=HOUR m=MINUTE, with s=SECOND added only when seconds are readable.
h=11 m=19
